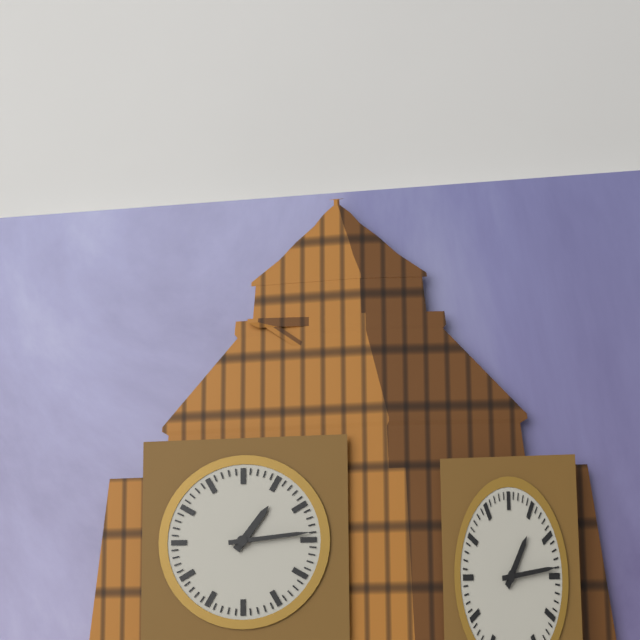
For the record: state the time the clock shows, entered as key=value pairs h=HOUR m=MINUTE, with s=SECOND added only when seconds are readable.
h=1 m=14
